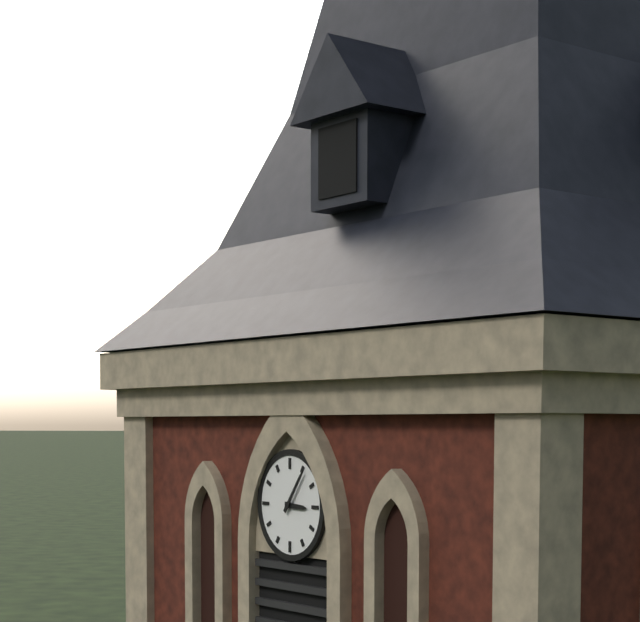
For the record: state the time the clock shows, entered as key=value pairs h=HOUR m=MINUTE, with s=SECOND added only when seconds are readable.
h=3 m=6
